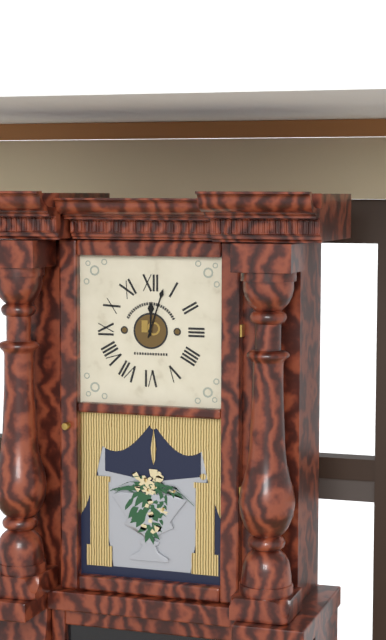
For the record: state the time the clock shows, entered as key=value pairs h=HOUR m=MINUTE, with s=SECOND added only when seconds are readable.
h=12 m=3
